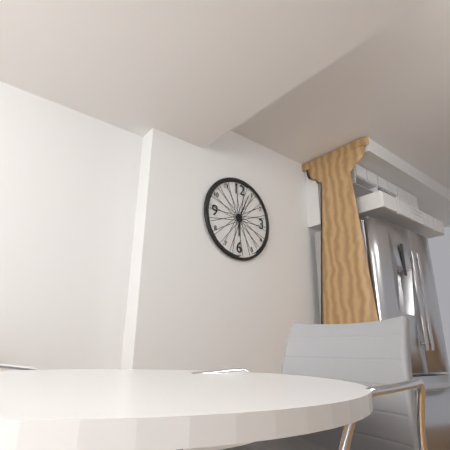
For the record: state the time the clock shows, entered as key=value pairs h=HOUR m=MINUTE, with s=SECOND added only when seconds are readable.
h=6 m=4
